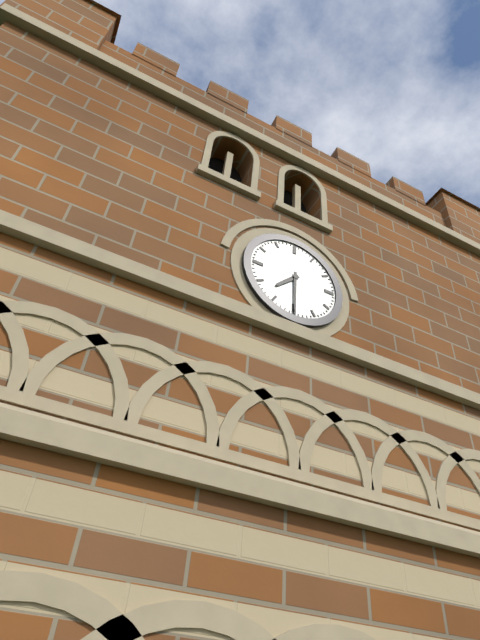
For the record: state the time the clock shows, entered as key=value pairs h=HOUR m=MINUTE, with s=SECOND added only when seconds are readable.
h=7 m=30
